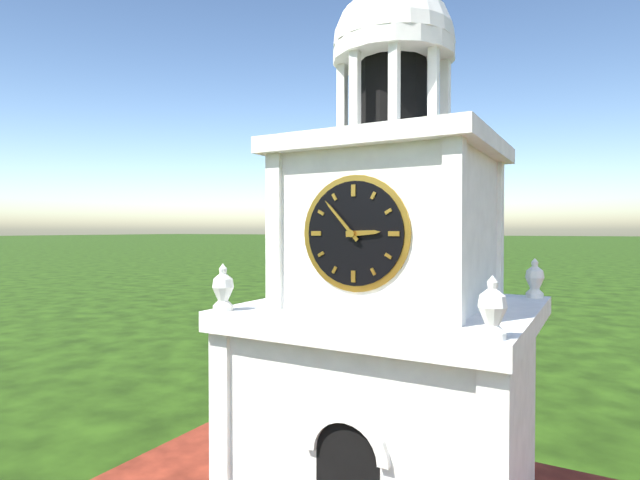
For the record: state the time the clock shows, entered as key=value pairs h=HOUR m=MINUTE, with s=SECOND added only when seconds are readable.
h=2 m=53
